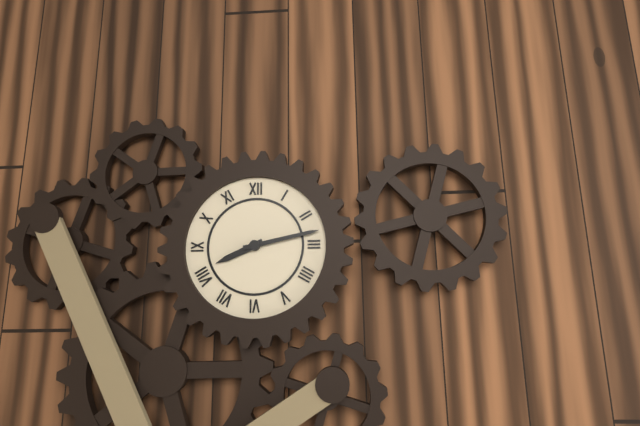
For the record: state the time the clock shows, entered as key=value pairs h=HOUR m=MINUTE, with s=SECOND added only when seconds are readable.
h=8 m=13
